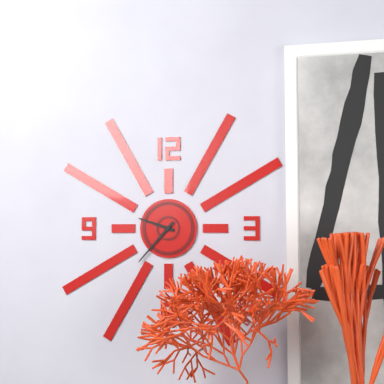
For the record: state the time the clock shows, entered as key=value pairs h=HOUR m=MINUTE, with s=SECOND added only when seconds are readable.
h=9 m=37
